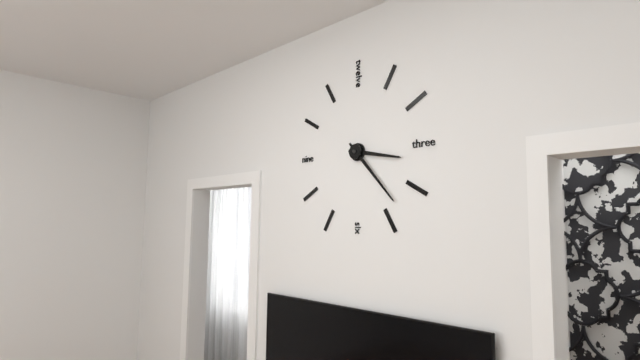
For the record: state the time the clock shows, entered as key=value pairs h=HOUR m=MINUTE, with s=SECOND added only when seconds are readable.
h=3 m=23
